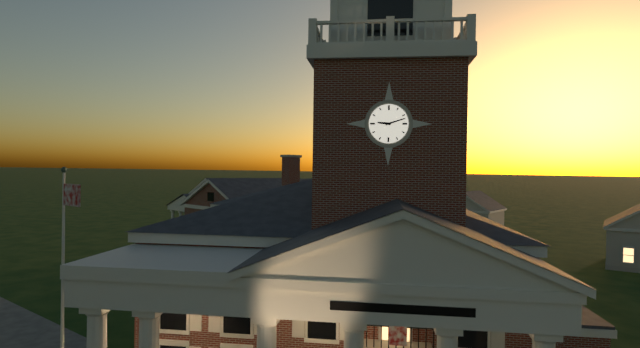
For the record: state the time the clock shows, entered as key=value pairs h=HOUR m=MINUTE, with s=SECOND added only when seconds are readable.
h=9 m=12
